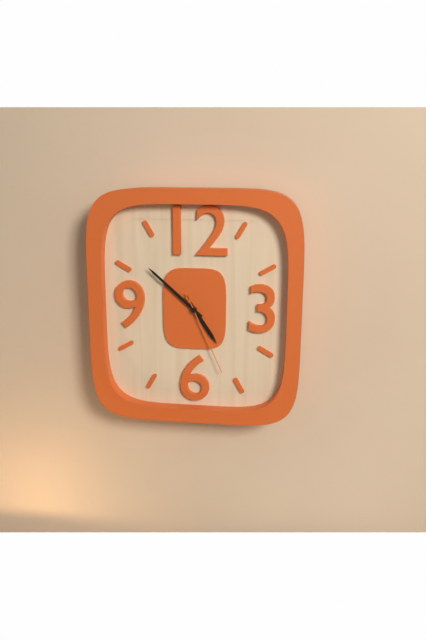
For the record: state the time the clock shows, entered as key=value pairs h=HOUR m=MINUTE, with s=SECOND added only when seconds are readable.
h=4 m=52 s=26
